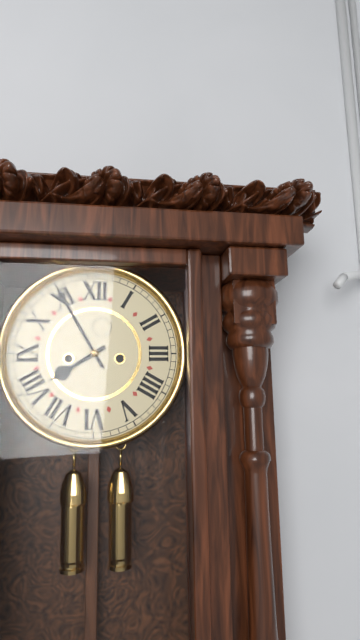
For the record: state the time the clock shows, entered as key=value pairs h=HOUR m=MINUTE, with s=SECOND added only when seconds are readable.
h=7 m=55
